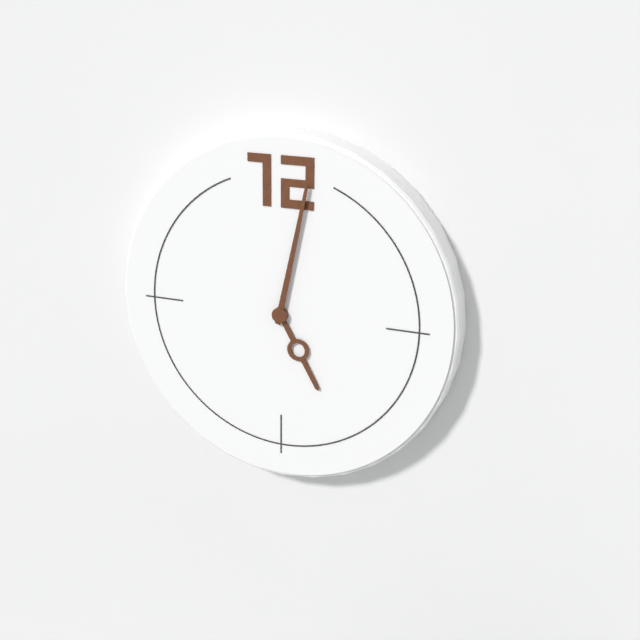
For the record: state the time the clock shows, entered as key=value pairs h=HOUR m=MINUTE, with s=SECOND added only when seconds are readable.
h=5 m=2
